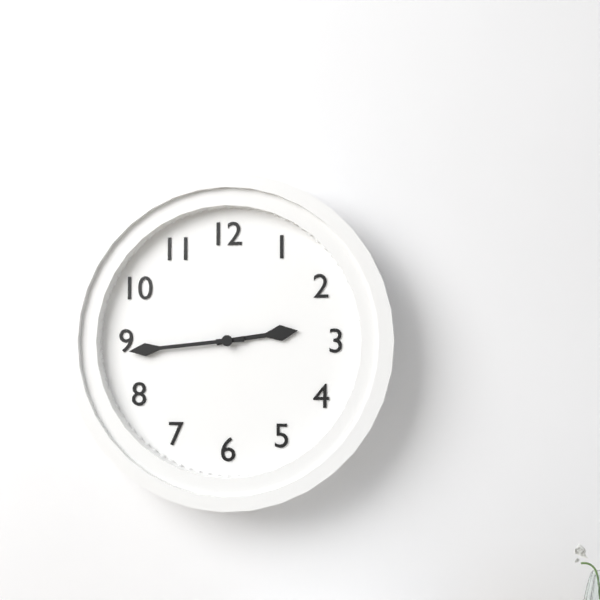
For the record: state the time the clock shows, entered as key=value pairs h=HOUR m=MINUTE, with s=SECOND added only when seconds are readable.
h=2 m=44
